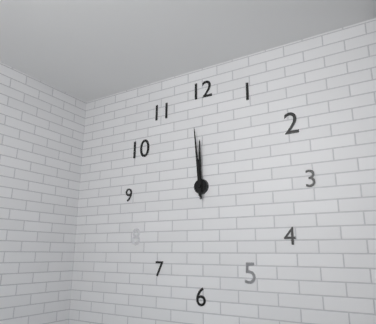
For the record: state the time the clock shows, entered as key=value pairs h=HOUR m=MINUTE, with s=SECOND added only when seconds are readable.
h=11 m=59
